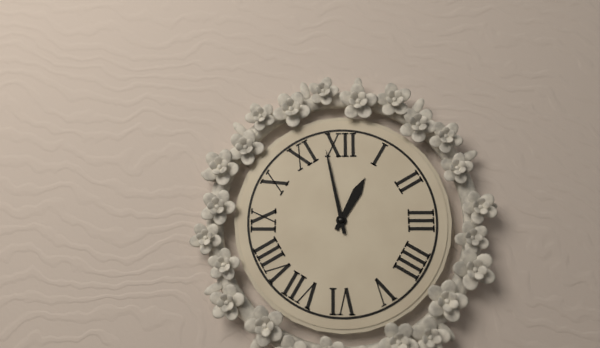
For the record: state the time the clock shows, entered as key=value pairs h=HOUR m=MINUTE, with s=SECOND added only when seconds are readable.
h=12 m=58
